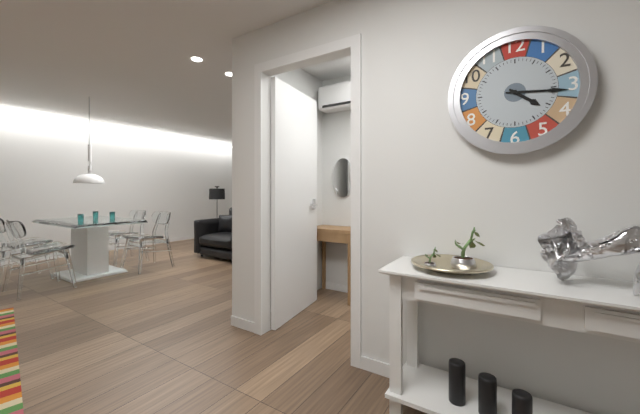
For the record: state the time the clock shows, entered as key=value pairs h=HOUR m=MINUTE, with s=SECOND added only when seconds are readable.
h=4 m=16
